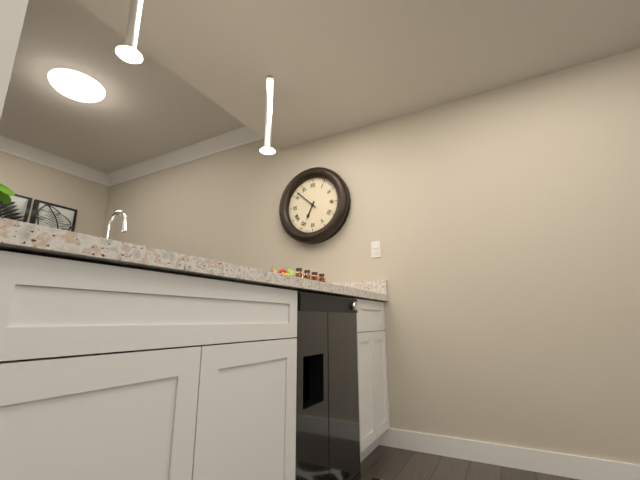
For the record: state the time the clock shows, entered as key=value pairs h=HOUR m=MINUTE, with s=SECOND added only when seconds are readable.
h=6 m=52
